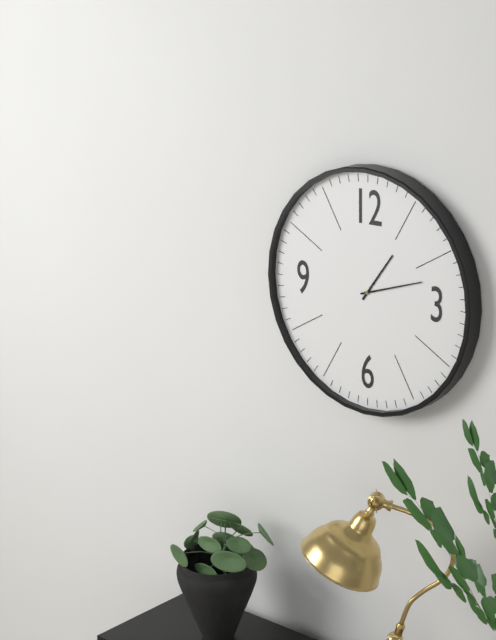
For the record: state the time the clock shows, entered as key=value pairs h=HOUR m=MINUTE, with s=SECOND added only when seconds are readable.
h=1 m=12
